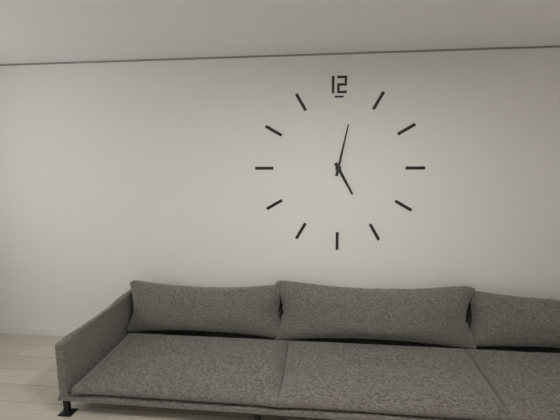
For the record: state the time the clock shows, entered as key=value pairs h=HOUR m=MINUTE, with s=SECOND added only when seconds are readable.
h=5 m=2
